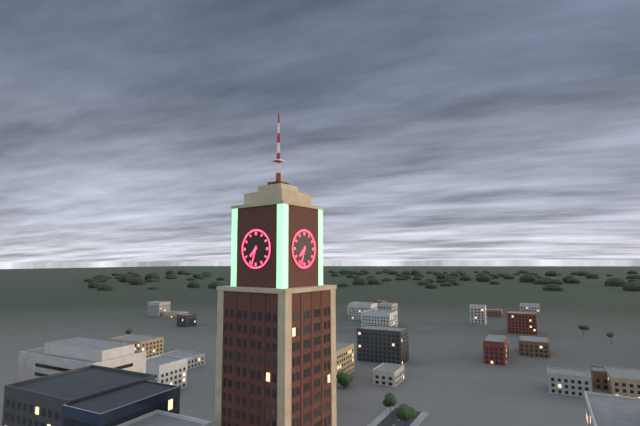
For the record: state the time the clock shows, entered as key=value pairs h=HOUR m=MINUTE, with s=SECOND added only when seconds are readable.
h=7 m=33
